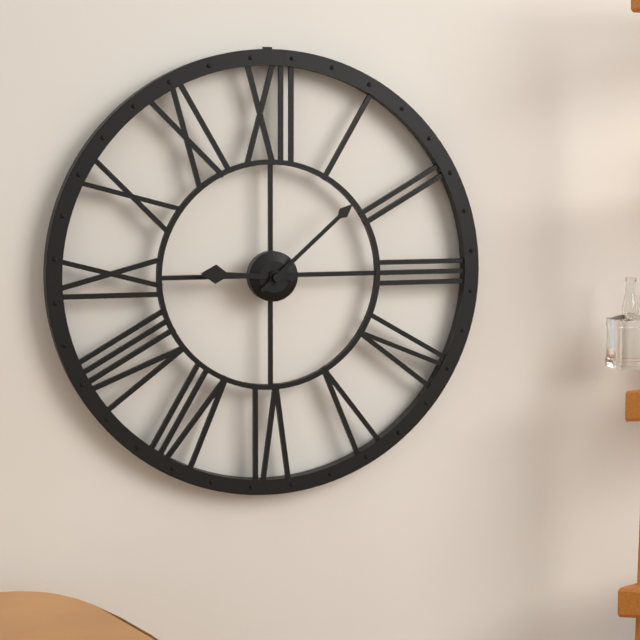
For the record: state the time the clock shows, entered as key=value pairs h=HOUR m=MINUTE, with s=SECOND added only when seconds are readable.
h=9 m=8
